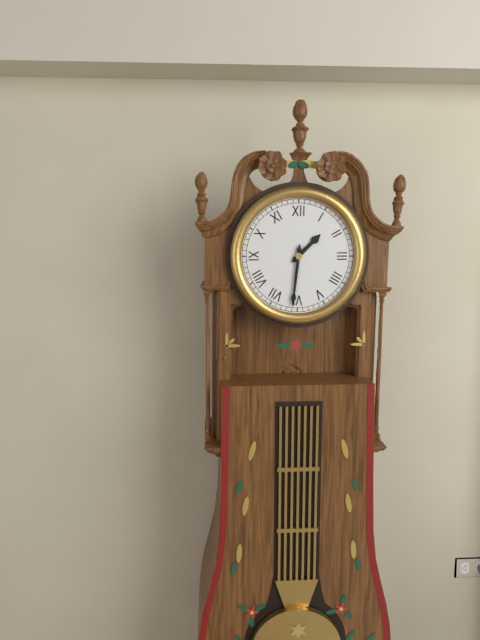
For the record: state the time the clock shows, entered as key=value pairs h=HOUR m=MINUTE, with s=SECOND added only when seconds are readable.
h=1 m=31
